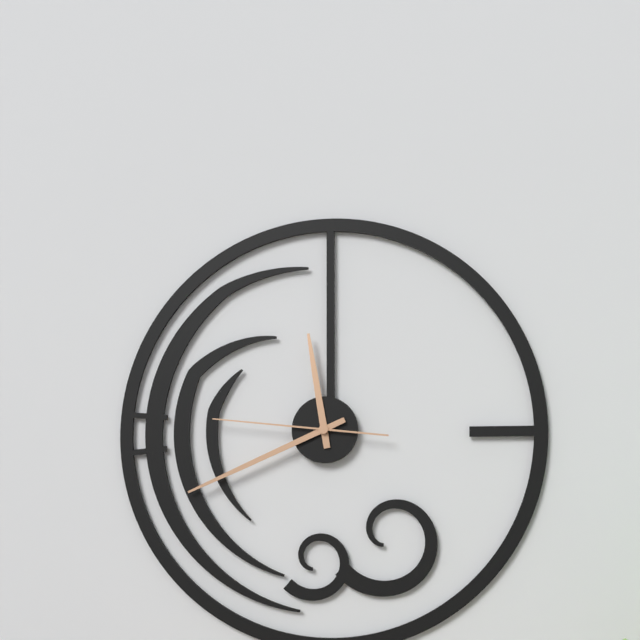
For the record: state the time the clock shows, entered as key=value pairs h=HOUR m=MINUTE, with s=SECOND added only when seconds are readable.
h=11 m=41 s=46
